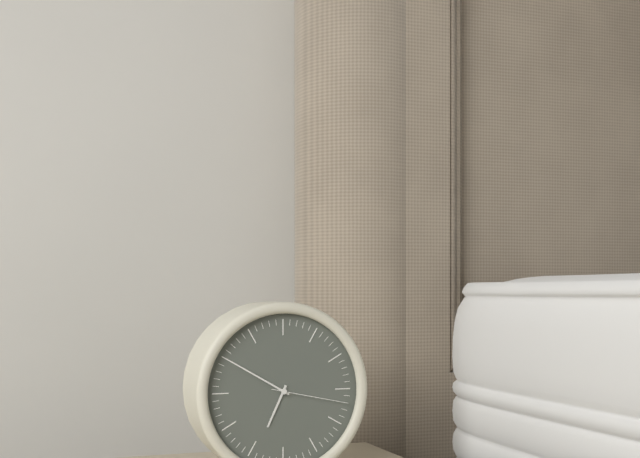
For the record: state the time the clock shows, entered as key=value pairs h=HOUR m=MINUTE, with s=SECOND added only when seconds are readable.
h=6 m=50 s=17
